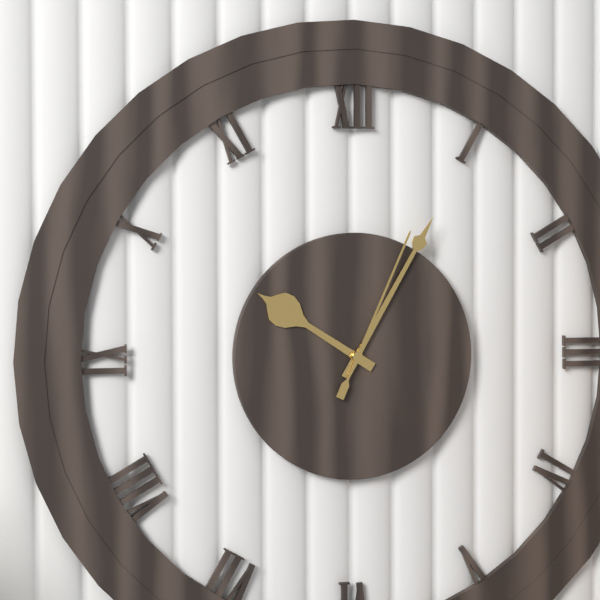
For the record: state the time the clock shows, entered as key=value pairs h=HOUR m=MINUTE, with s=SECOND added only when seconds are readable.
h=10 m=5 s=4
